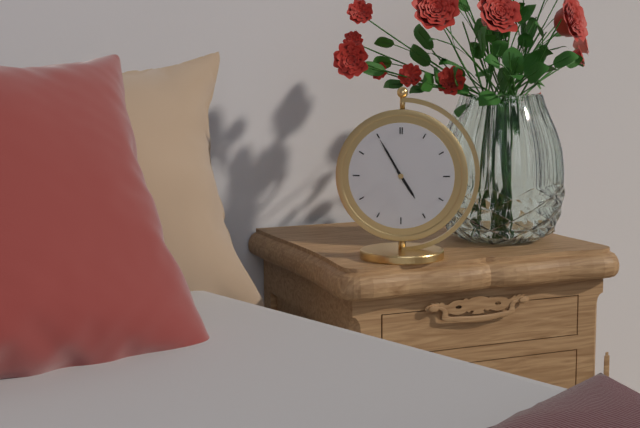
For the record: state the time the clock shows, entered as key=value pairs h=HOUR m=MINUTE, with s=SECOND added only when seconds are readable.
h=4 m=55
